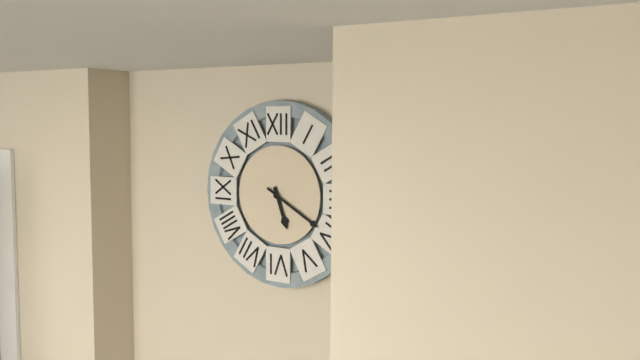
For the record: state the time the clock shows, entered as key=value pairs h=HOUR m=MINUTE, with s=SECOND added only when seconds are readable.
h=5 m=20
